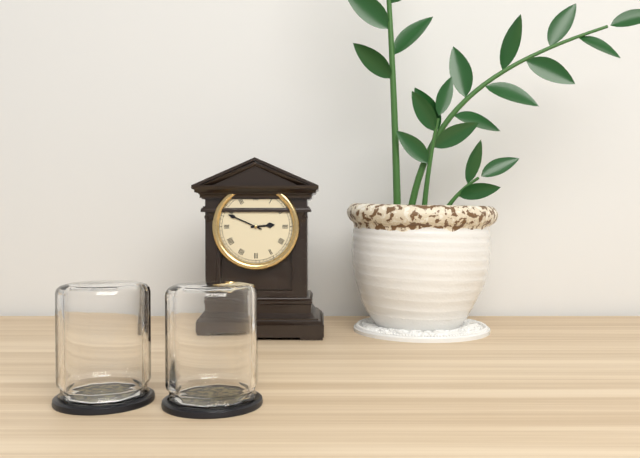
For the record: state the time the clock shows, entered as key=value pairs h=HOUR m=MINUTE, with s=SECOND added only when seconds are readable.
h=2 m=49
